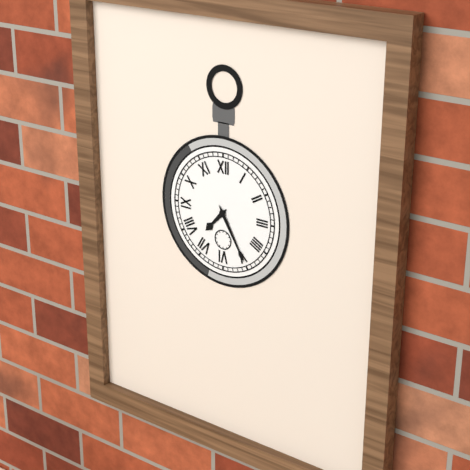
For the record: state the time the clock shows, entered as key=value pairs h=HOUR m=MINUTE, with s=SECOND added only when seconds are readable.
h=7 m=25
